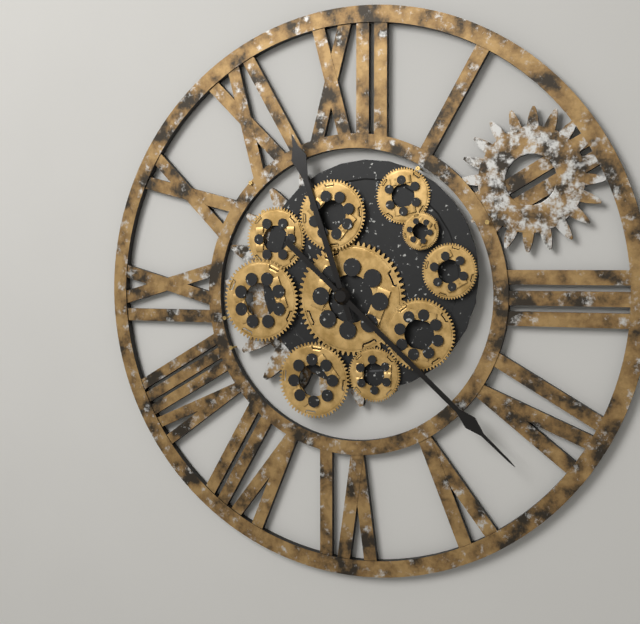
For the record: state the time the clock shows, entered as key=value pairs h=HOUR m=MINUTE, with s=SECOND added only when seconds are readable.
h=11 m=22
